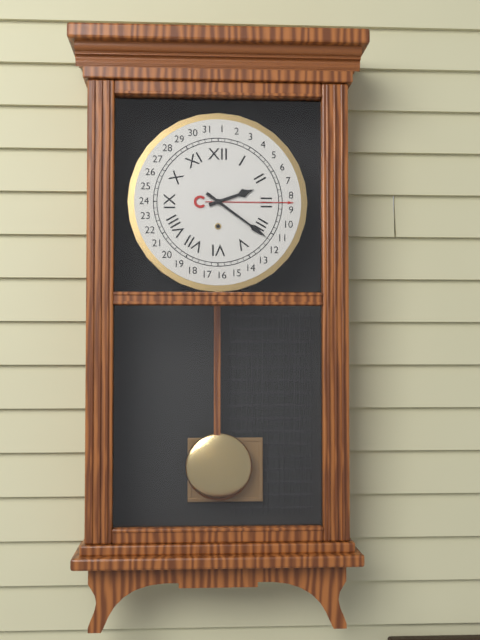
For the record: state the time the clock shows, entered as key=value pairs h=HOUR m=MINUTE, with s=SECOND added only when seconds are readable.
h=2 m=21
